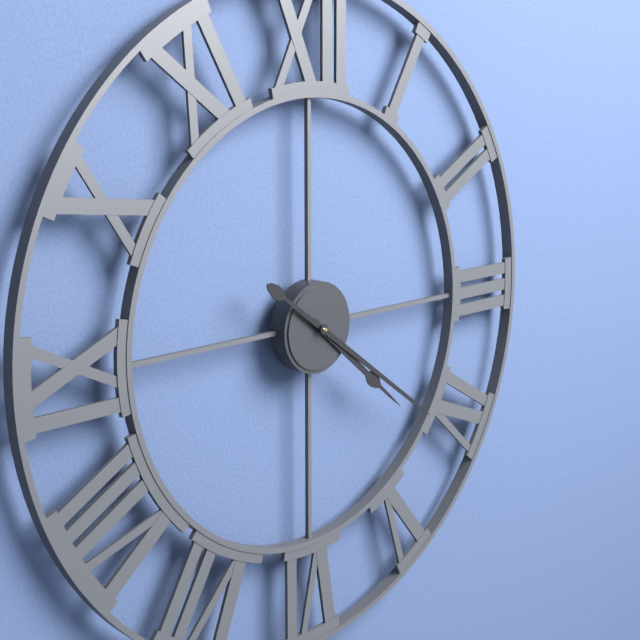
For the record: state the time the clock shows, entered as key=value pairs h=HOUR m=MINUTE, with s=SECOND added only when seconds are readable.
h=4 m=21
